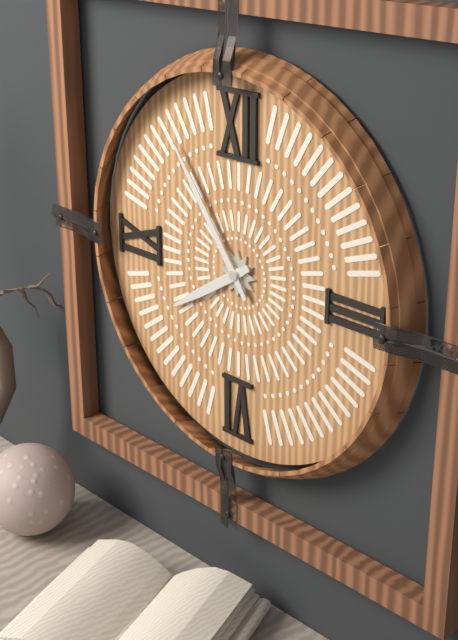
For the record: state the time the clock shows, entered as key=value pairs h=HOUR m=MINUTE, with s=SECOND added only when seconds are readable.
h=7 m=54
